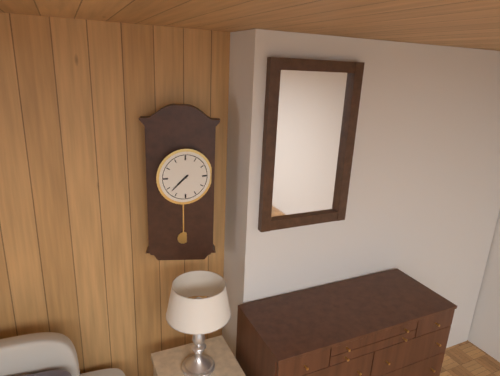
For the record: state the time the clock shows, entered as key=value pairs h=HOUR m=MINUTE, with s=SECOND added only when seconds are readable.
h=7 m=38
